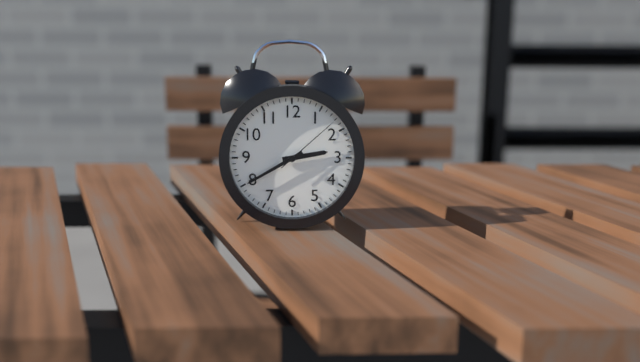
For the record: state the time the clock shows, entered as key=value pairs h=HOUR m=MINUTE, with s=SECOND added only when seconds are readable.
h=2 m=40 s=8
